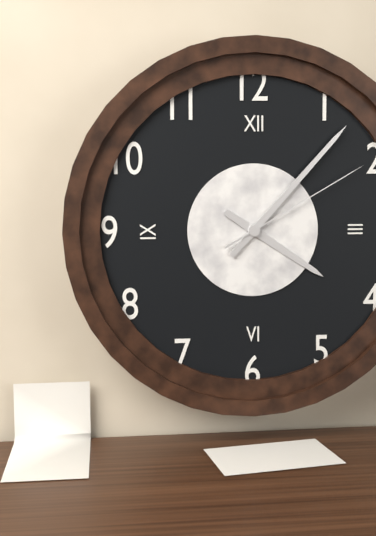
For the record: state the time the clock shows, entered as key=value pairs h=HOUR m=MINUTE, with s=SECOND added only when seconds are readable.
h=4 m=7 s=10
